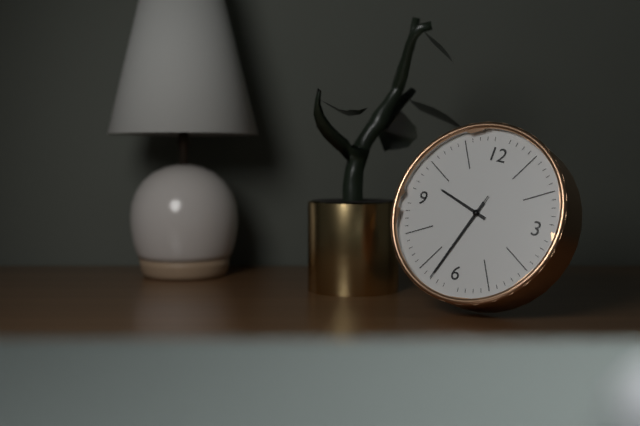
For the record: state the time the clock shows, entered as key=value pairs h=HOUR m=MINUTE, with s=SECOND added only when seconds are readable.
h=9 m=33 s=33
